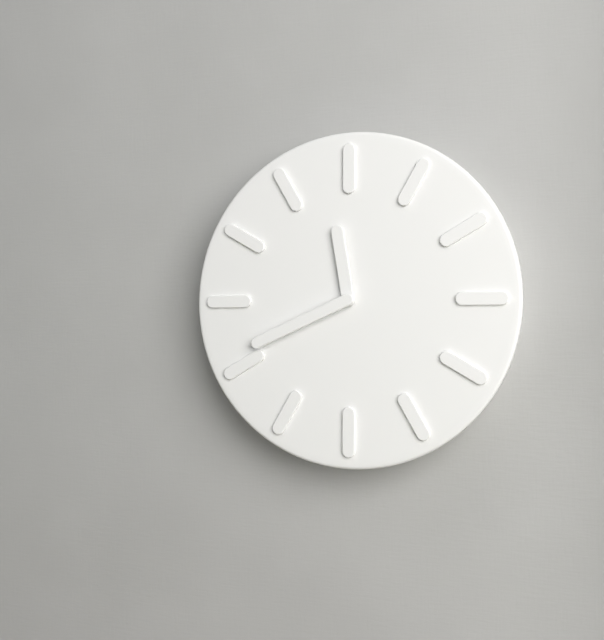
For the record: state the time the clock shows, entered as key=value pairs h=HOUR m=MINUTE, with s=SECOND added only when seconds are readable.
h=11 m=41
